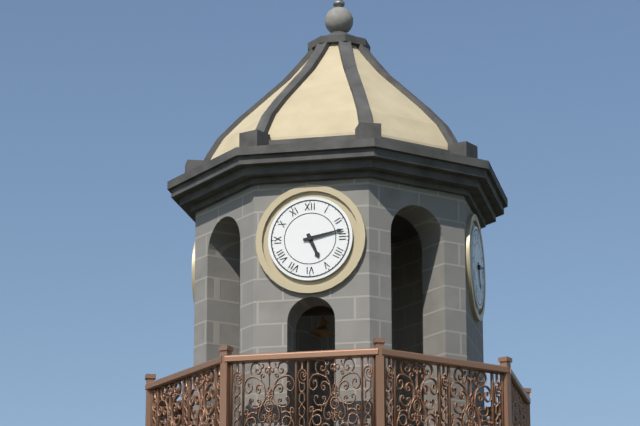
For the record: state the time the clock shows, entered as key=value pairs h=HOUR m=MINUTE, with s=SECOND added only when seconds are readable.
h=5 m=13
